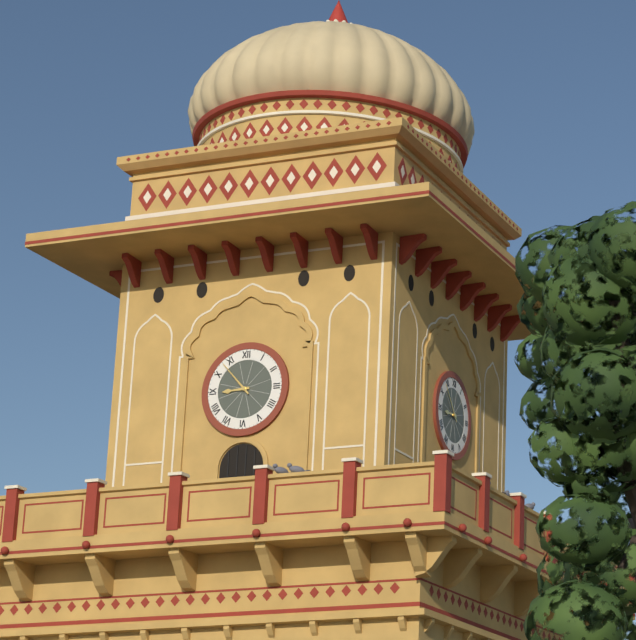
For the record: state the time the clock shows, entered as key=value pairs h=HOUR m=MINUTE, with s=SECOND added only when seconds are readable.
h=8 m=53
